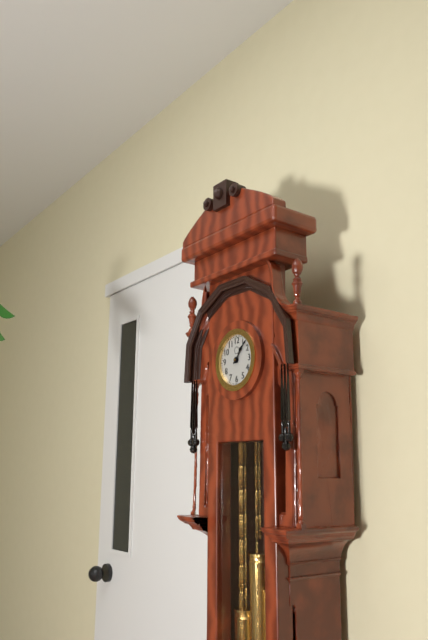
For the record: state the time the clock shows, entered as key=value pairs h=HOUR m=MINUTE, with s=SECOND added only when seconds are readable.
h=1 m=7
